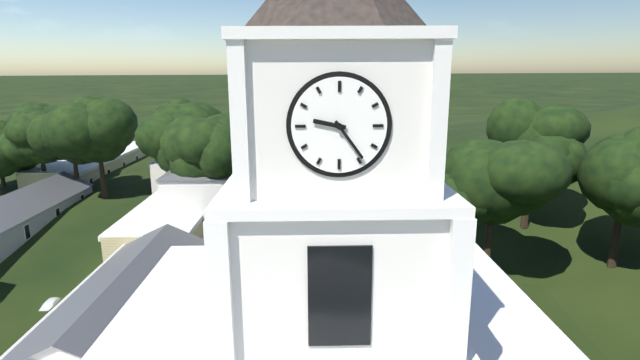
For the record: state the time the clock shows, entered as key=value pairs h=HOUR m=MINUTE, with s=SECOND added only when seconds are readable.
h=9 m=24
